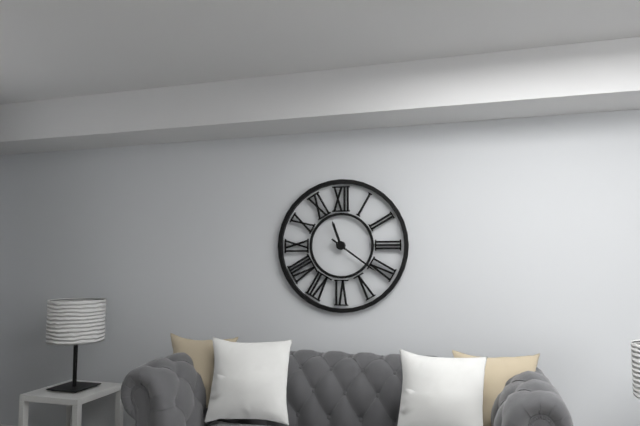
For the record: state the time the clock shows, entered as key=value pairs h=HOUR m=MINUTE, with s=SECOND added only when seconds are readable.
h=11 m=21
